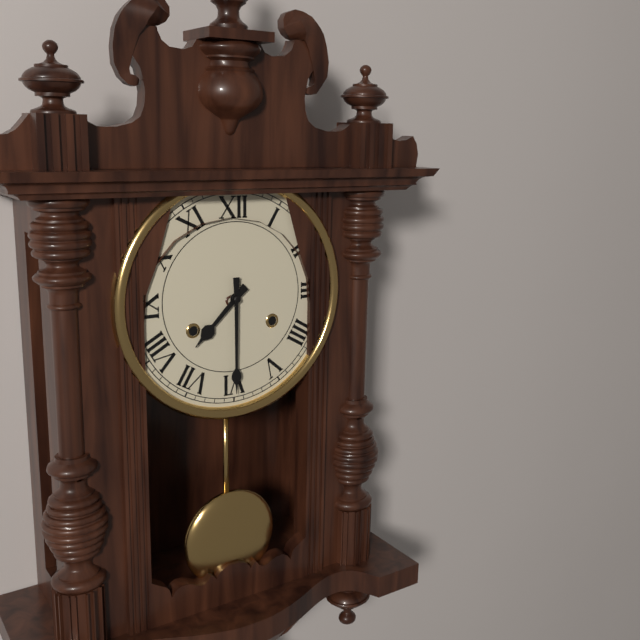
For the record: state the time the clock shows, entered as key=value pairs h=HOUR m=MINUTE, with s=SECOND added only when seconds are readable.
h=7 m=30
